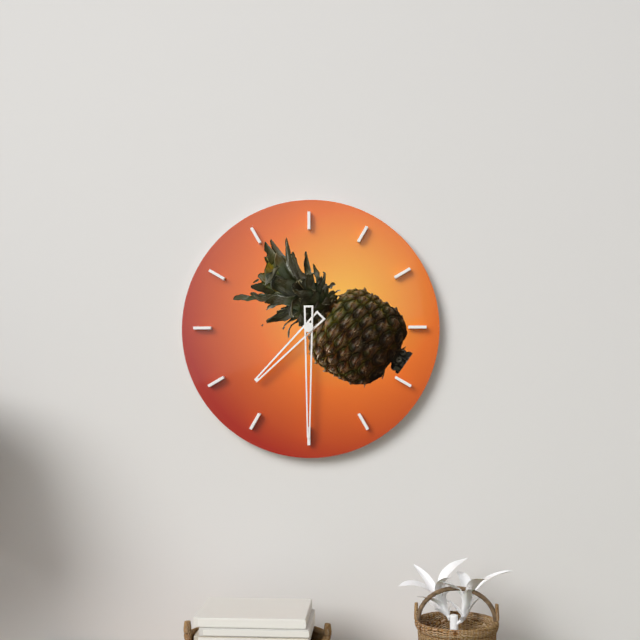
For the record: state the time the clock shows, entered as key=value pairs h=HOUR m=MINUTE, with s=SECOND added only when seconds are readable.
h=7 m=30
